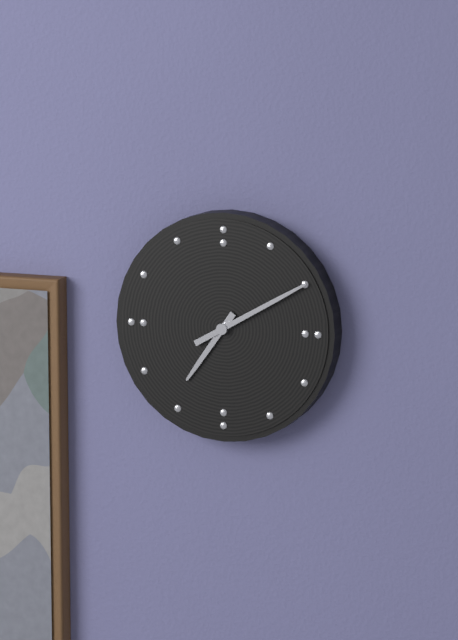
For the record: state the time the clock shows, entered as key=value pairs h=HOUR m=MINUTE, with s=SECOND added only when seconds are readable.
h=7 m=10
